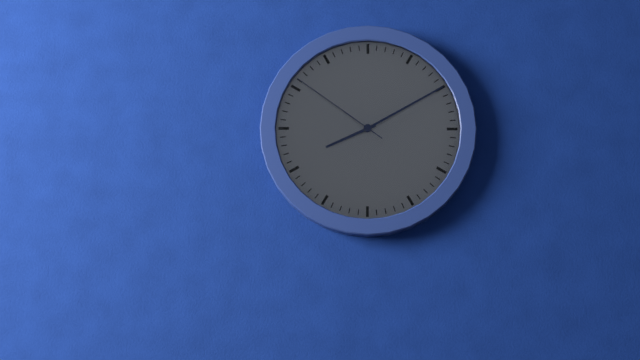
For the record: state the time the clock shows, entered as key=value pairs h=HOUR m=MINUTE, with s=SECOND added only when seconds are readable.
h=8 m=10 s=51
